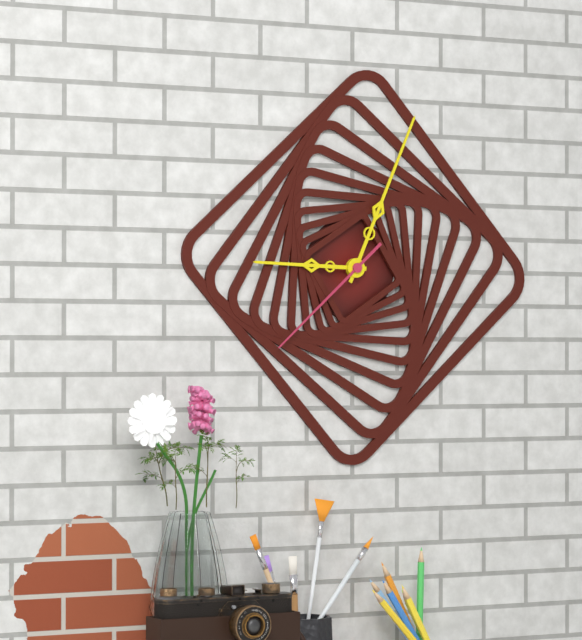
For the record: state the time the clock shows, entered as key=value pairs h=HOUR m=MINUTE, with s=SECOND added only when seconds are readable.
h=9 m=4 s=38
